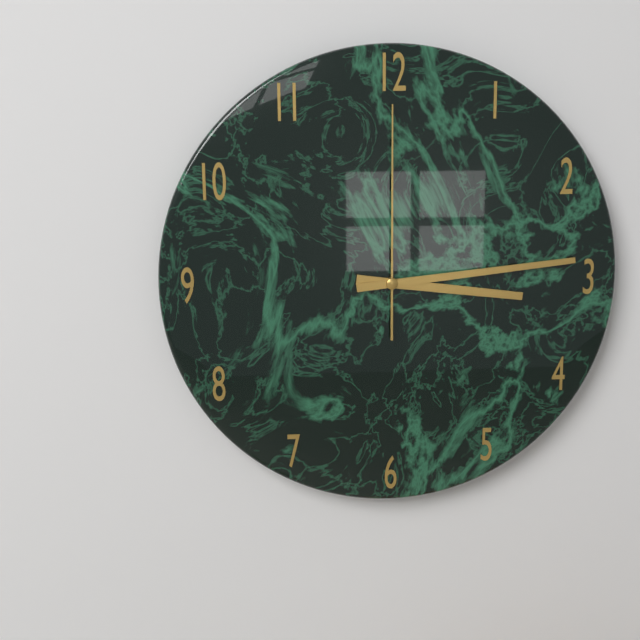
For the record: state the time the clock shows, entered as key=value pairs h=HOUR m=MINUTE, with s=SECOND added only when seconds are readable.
h=3 m=14 s=0
